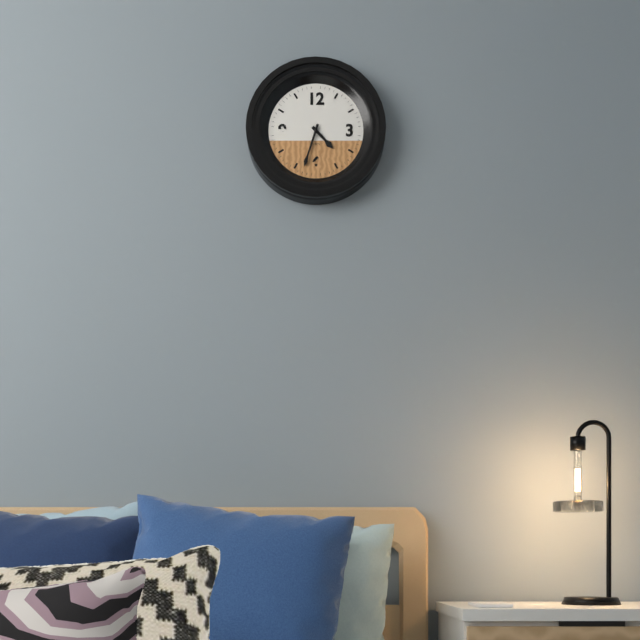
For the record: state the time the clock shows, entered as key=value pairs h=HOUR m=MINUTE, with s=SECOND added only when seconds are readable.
h=4 m=33
